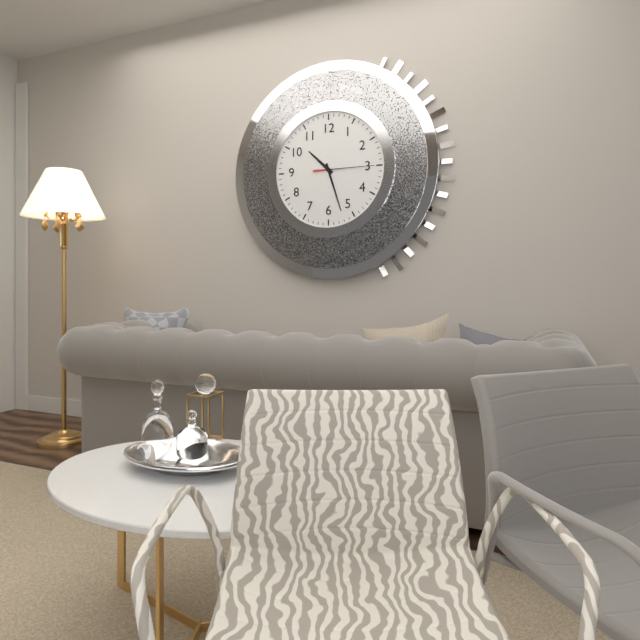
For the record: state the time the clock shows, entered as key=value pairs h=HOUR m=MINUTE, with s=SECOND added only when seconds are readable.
h=10 m=27 s=15
